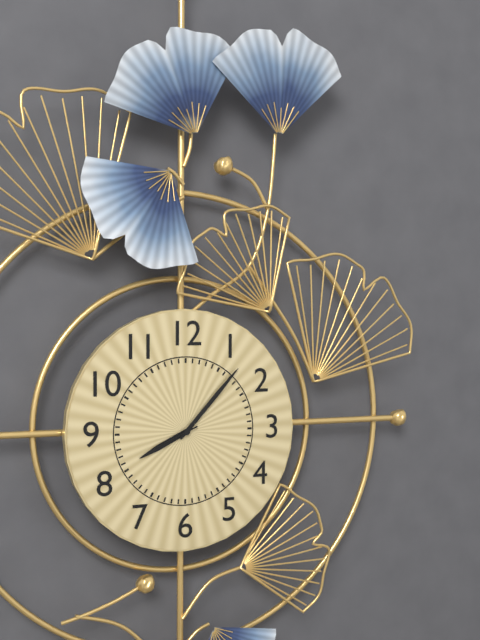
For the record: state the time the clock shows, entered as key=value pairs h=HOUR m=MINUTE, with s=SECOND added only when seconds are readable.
h=8 m=7
